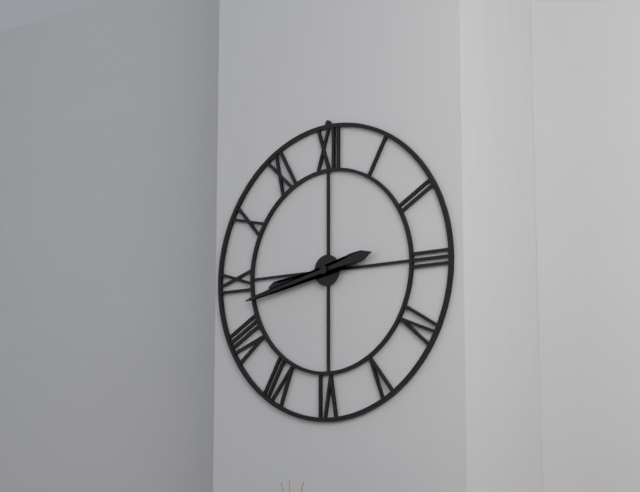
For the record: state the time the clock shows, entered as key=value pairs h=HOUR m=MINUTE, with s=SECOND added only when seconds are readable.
h=8 m=43
